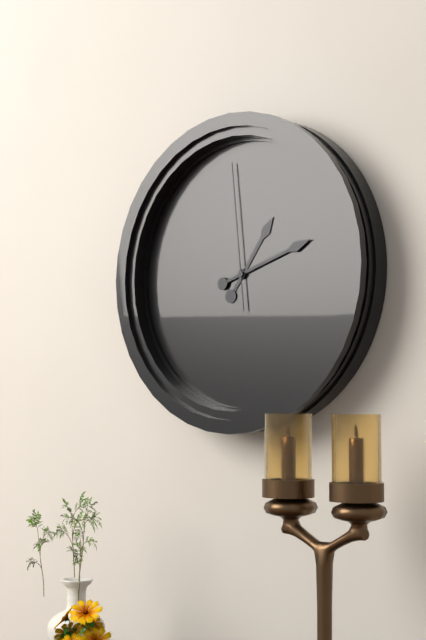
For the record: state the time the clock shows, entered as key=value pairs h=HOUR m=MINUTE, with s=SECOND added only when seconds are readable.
h=1 m=12 s=59
